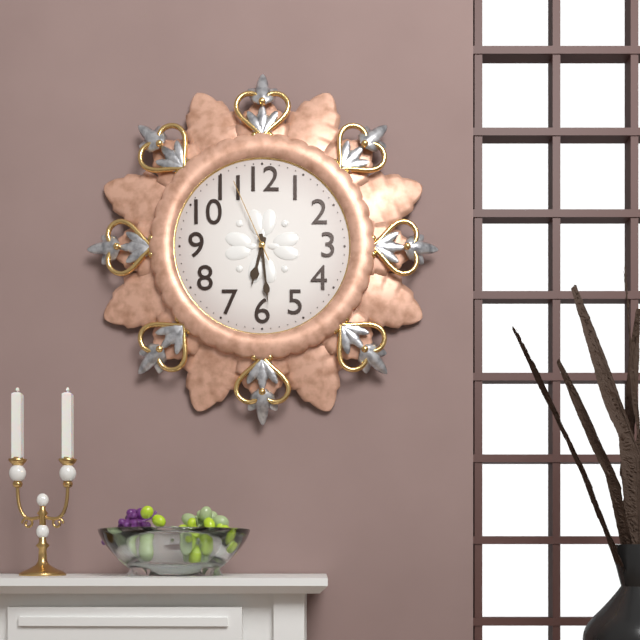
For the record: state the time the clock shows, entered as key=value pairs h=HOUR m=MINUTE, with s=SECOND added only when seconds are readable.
h=6 m=29 s=56
